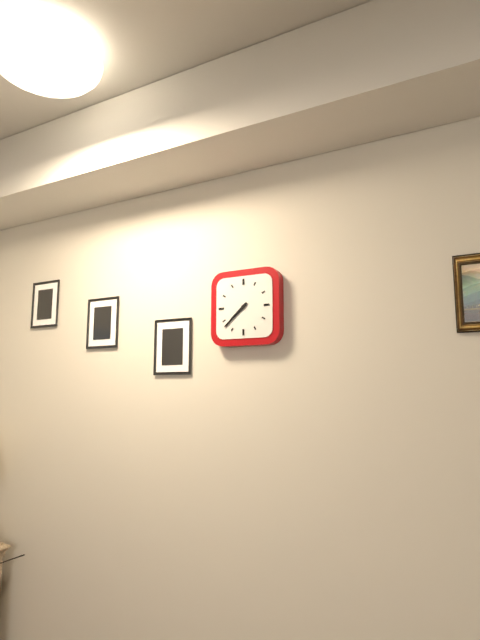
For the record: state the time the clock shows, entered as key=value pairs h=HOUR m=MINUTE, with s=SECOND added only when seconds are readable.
h=7 m=38
